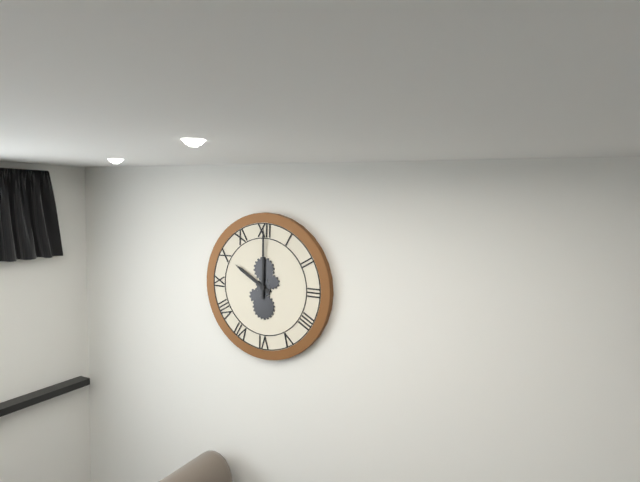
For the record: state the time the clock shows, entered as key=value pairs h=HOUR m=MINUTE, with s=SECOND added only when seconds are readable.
h=10 m=0
